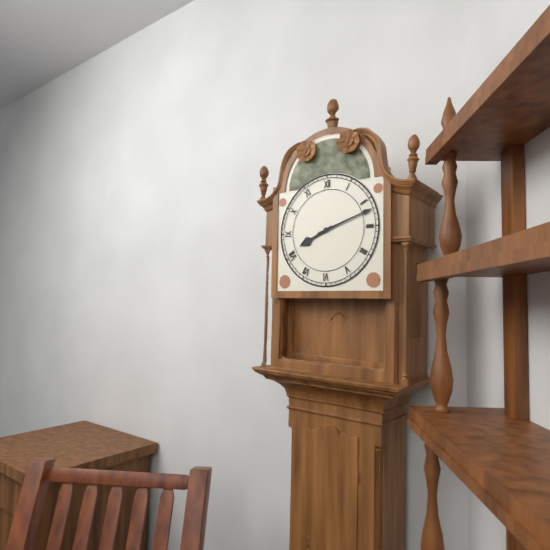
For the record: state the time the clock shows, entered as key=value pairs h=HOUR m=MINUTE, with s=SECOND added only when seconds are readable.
h=8 m=12
